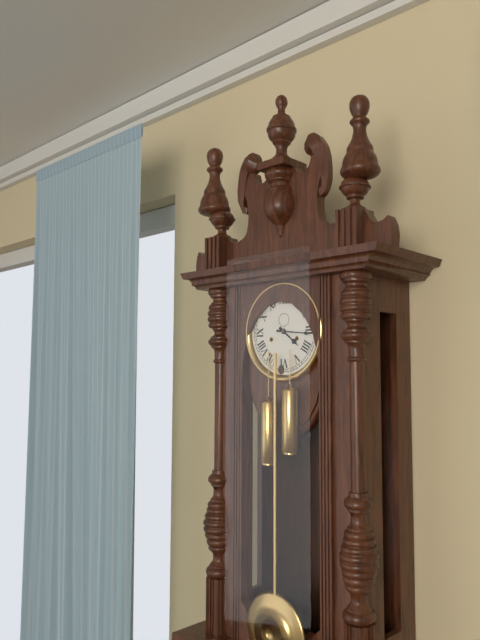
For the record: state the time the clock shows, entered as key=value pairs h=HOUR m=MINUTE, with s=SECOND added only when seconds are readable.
h=4 m=16
